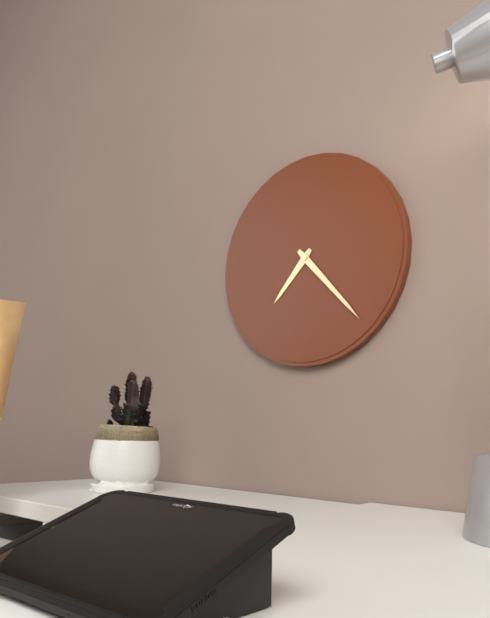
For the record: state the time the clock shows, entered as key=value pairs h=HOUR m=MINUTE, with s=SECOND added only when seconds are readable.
h=7 m=23
